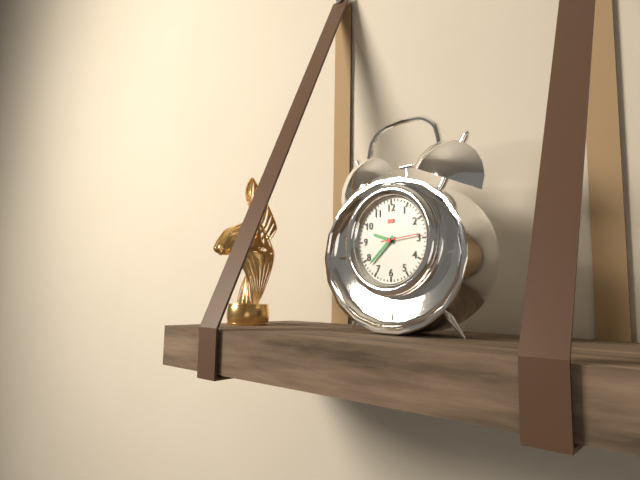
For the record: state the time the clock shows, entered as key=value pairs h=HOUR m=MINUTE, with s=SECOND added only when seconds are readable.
h=9 m=38
